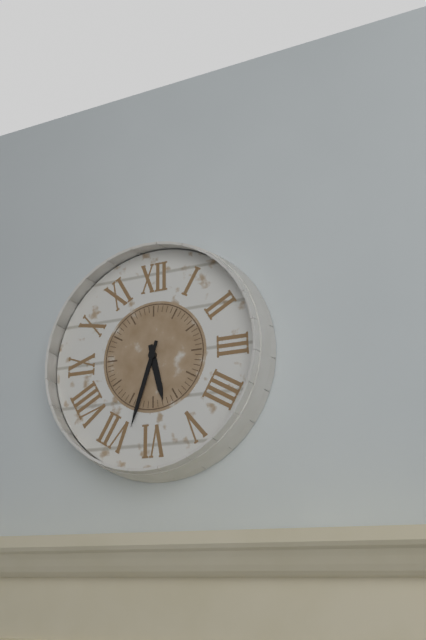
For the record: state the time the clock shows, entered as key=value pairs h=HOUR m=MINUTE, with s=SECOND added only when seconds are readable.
h=5 m=33
